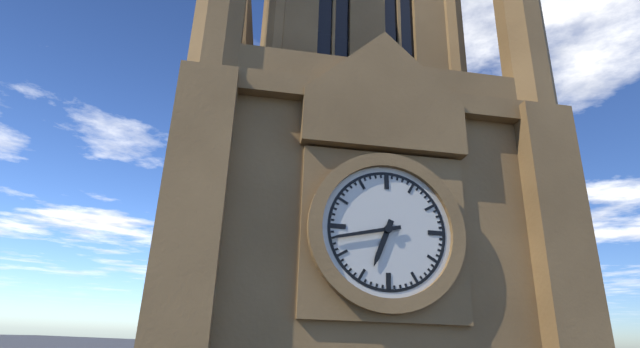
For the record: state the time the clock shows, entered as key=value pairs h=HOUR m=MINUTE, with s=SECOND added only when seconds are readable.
h=6 m=43
